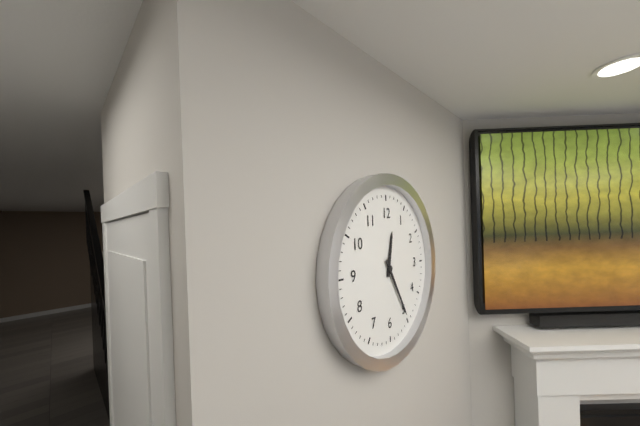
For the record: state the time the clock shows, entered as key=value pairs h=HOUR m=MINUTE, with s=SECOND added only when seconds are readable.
h=12 m=25
